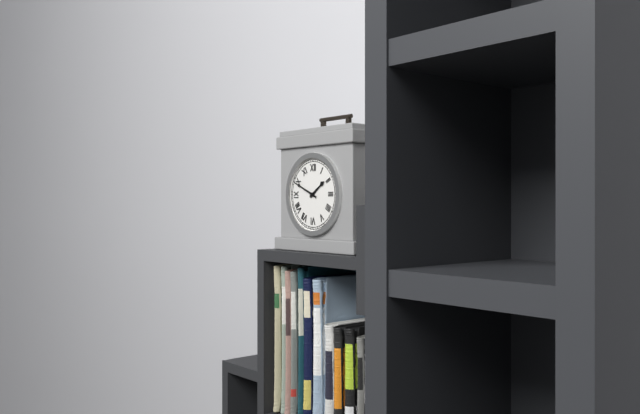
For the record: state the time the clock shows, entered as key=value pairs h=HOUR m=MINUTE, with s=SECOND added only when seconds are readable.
h=1 m=49
